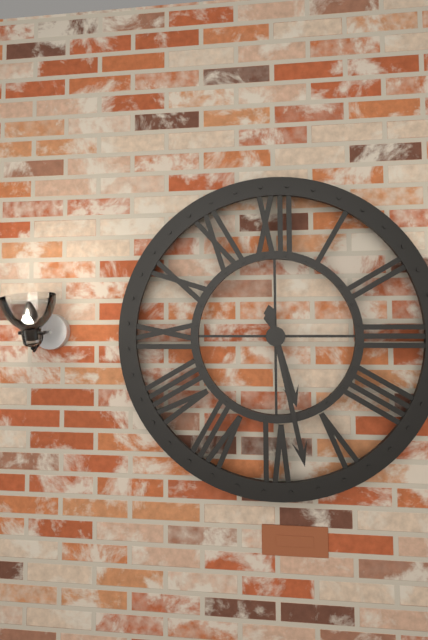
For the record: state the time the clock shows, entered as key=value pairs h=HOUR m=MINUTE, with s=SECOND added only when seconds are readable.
h=5 m=28
